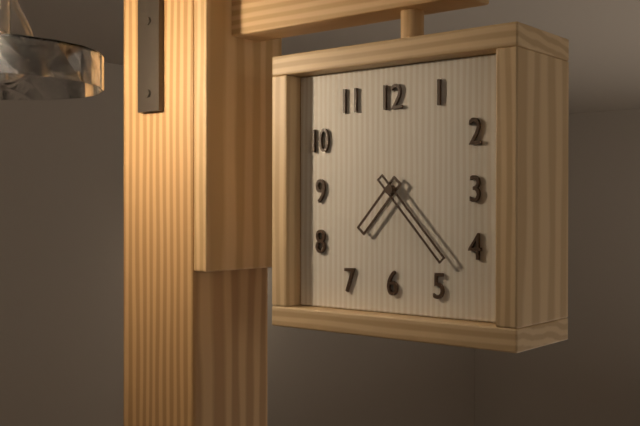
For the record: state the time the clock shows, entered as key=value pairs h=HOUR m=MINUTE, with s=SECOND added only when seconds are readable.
h=7 m=23
